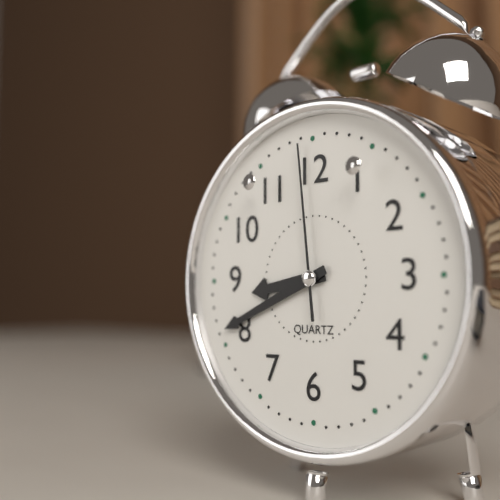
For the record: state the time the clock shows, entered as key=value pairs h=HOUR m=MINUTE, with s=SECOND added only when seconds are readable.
h=8 m=41 s=59
